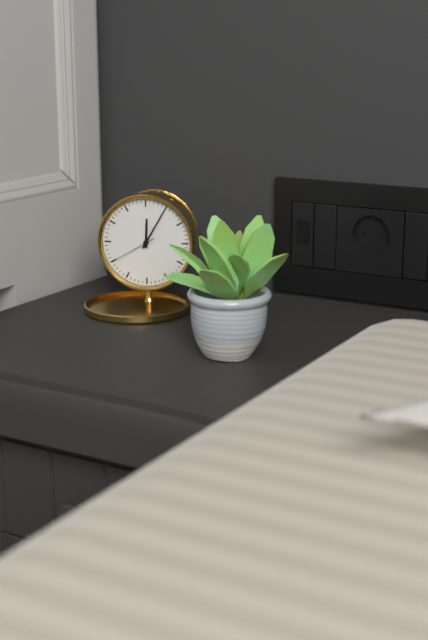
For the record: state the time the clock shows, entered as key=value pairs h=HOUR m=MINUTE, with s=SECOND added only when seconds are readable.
h=12 m=5
